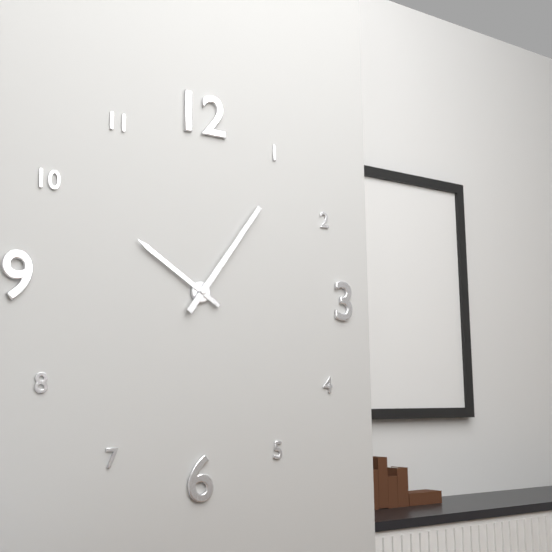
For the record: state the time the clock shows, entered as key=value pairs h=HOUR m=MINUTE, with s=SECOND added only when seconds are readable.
h=10 m=6
